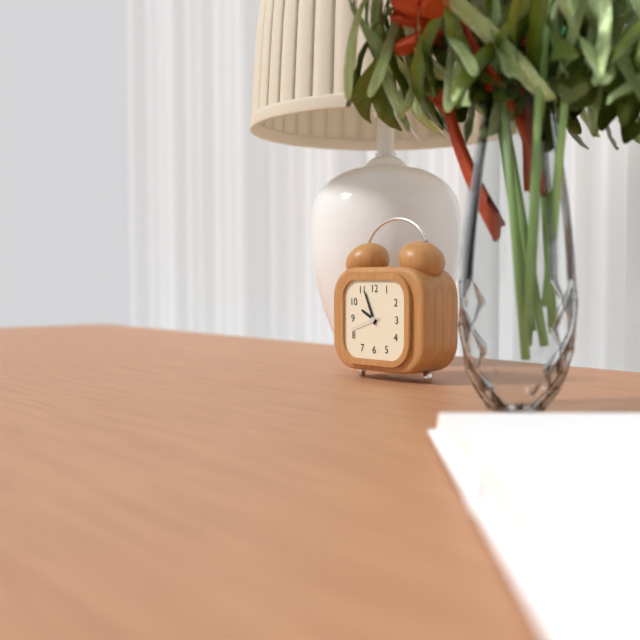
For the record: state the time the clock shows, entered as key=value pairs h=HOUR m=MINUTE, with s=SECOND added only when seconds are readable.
h=9 m=56
